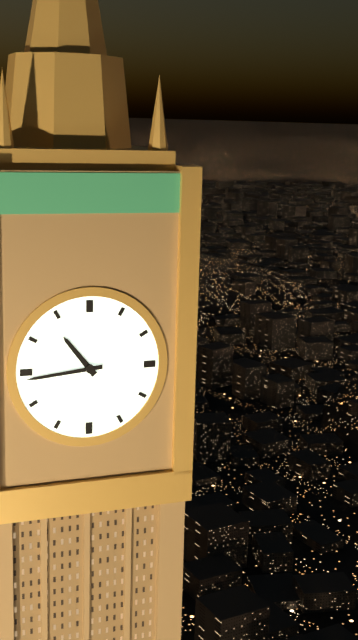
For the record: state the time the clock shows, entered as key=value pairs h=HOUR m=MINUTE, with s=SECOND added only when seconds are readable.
h=10 m=44
